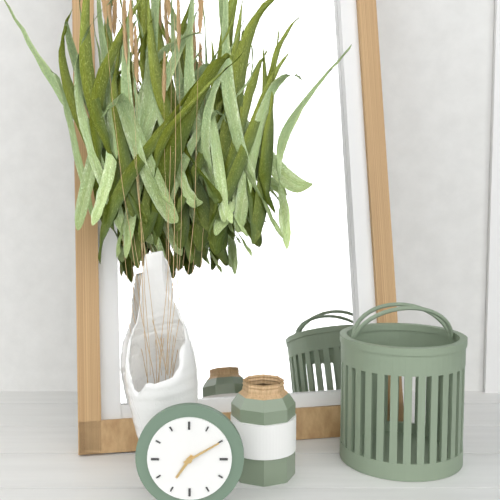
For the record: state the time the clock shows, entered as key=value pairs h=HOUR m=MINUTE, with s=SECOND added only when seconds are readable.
h=7 m=10
